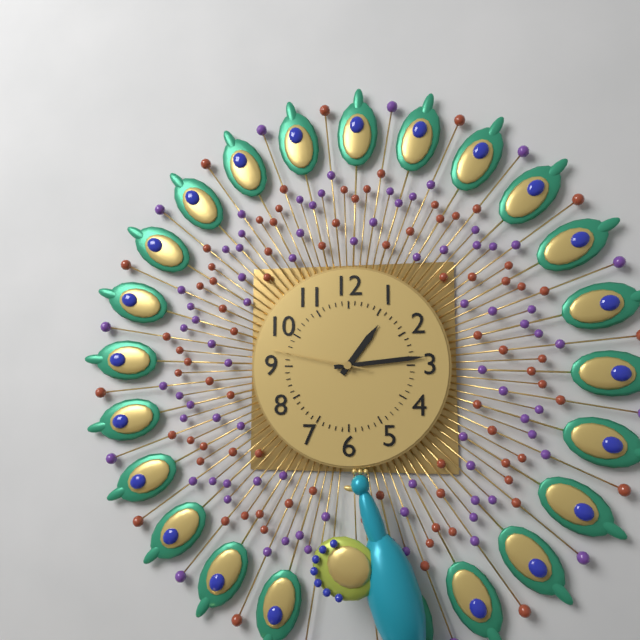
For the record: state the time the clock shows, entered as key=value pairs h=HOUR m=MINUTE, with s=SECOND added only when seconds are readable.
h=1 m=14 s=47
